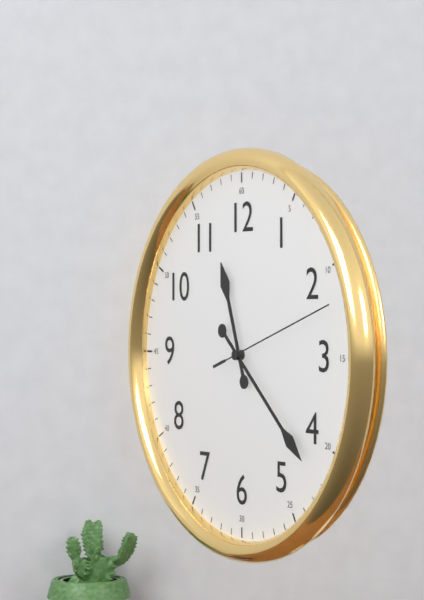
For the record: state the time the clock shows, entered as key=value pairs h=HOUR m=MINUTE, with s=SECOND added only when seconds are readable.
h=11 m=22 s=12
